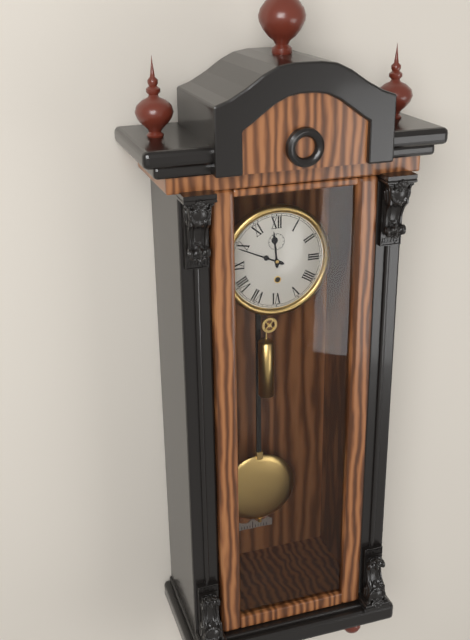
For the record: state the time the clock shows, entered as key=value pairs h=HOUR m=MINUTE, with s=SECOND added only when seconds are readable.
h=11 m=49
